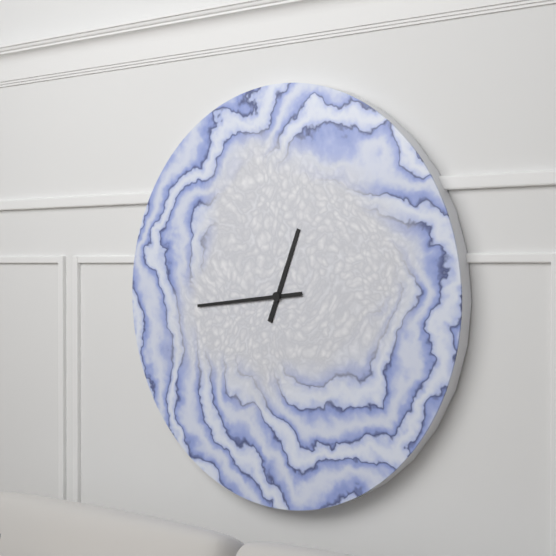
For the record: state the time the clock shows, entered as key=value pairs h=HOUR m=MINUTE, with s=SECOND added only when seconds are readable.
h=12 m=44
